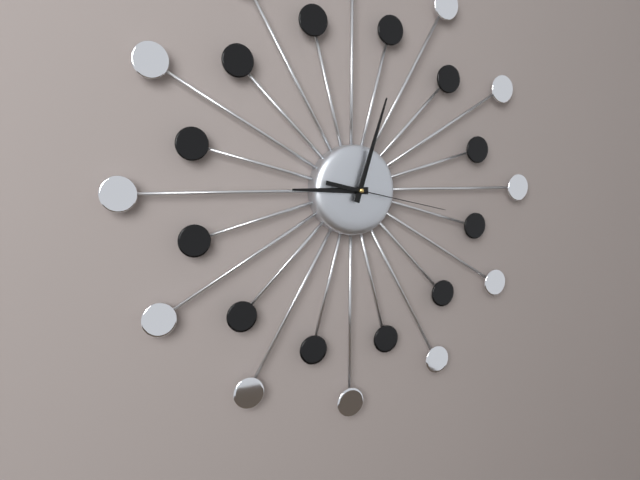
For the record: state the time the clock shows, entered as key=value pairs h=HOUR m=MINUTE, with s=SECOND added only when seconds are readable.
h=9 m=3 s=17
